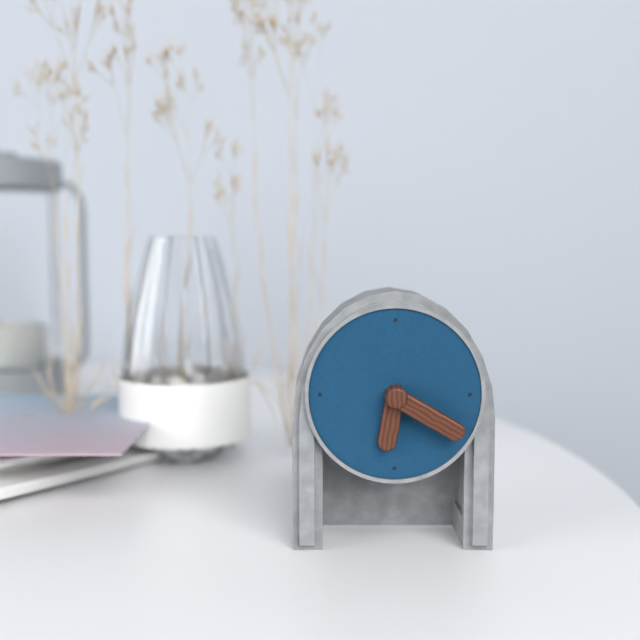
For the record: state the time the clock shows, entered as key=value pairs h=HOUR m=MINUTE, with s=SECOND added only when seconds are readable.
h=6 m=20
